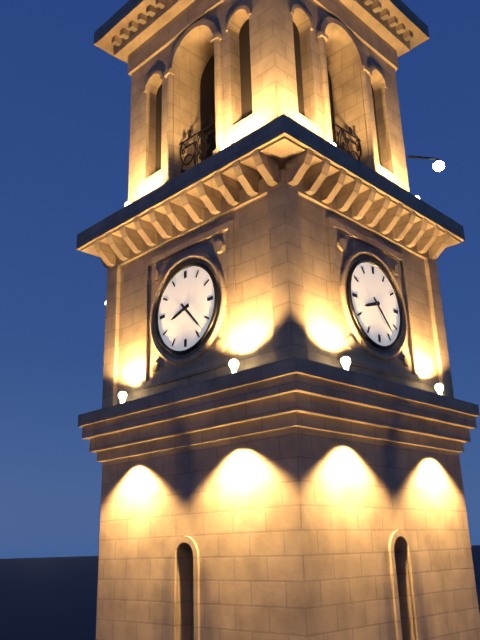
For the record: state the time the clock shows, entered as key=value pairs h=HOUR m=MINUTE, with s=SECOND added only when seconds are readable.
h=8 m=23
